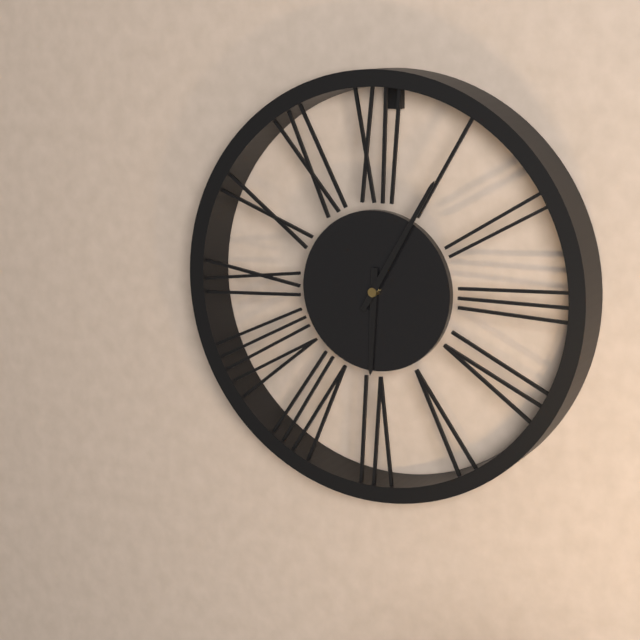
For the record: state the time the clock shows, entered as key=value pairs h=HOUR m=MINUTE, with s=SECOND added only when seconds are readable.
h=6 m=5
